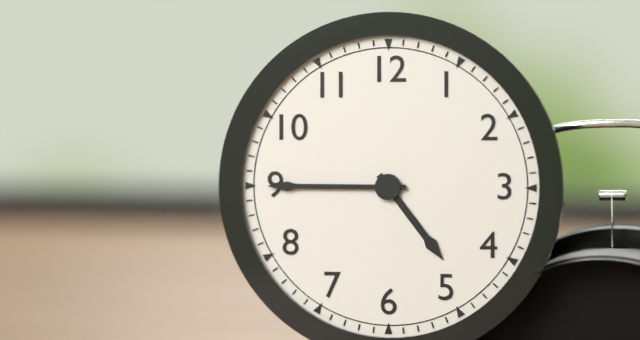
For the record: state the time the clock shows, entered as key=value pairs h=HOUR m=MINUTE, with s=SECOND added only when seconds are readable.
h=4 m=45
